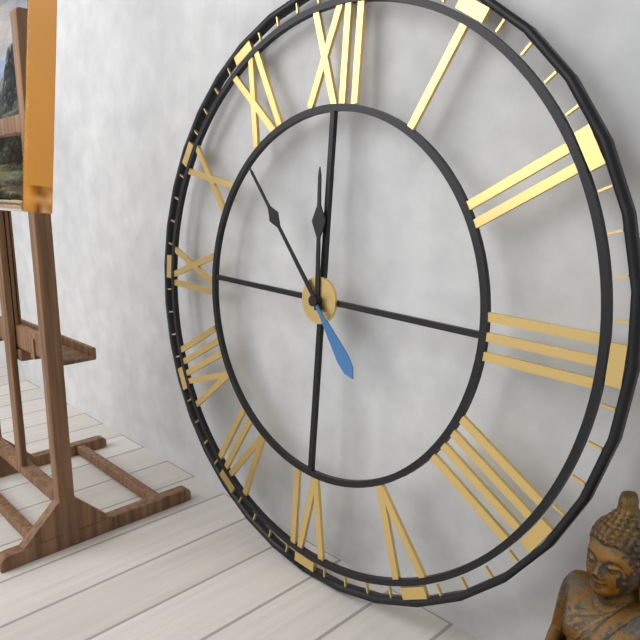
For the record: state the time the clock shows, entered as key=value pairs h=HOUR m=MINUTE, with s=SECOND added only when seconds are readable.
h=11 m=53 s=23
